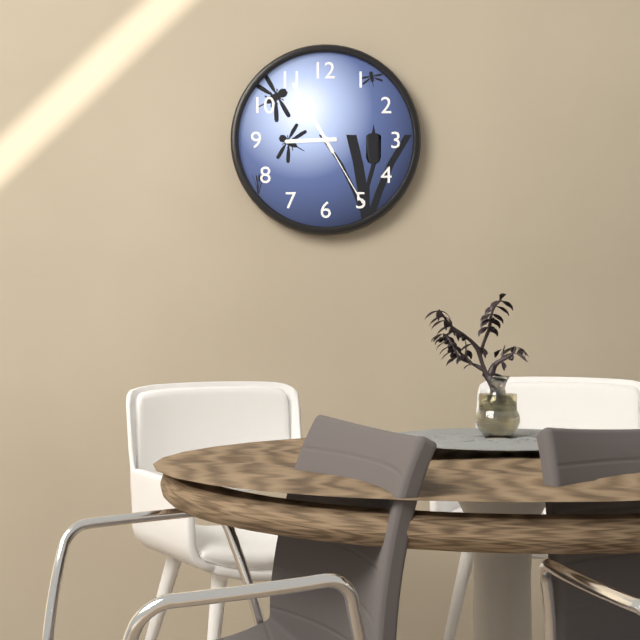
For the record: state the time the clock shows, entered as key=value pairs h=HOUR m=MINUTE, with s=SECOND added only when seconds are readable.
h=8 m=55 s=25
